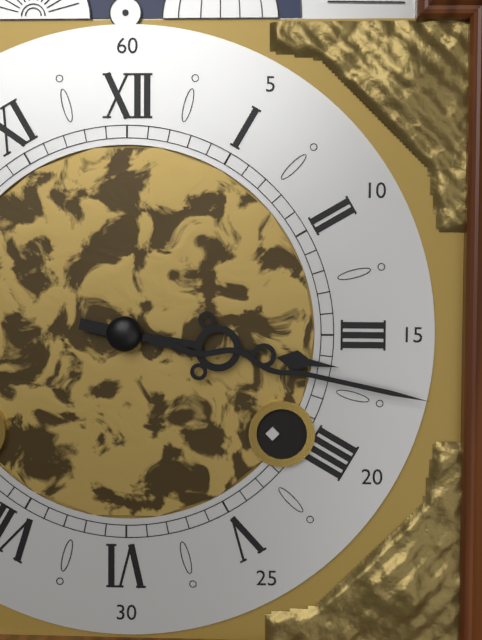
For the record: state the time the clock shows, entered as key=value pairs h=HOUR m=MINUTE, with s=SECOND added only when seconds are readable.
h=3 m=17
